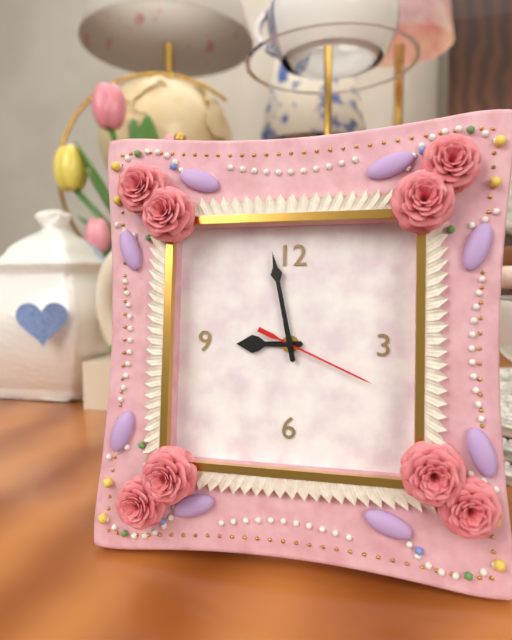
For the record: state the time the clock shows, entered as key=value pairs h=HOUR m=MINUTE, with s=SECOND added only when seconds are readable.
h=8 m=58 s=19
